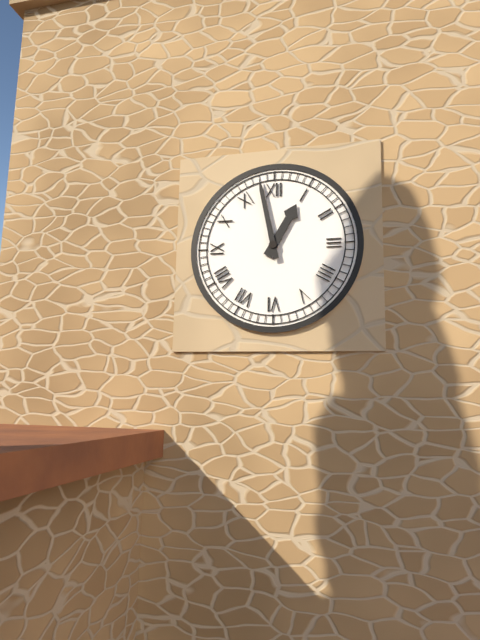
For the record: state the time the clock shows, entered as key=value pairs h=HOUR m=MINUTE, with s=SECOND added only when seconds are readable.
h=12 m=58
